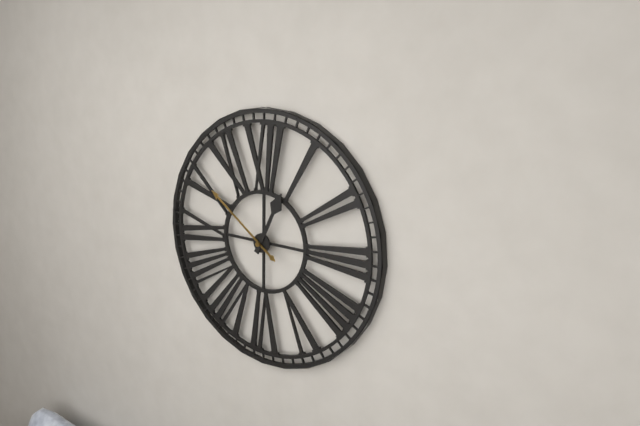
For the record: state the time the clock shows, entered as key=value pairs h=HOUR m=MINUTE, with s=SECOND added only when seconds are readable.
h=12 m=51
